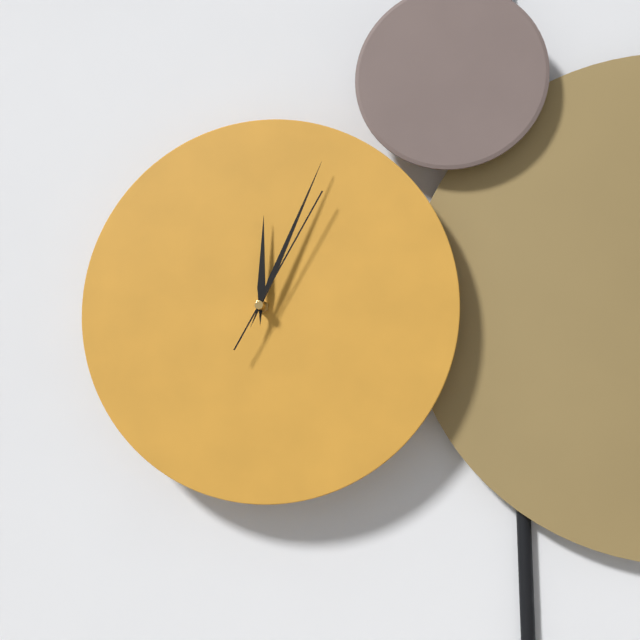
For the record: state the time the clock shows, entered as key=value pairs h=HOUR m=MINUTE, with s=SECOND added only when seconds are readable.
h=12 m=4 s=5
